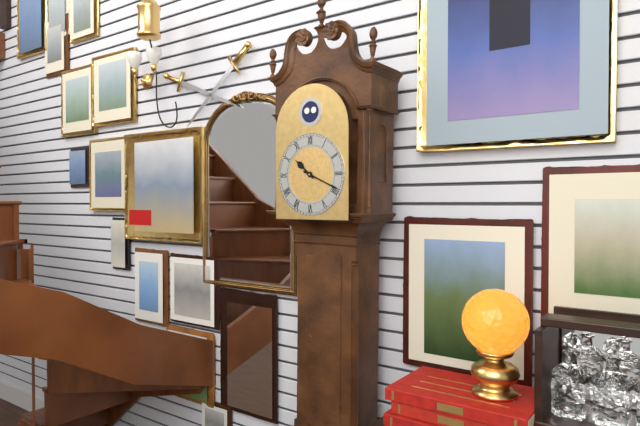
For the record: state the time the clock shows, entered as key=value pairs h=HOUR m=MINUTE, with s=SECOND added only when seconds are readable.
h=10 m=19
